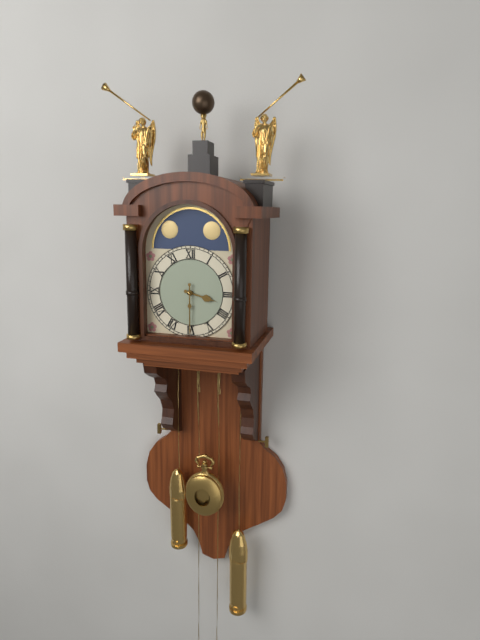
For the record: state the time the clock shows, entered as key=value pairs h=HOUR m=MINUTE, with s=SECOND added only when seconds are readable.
h=3 m=30
